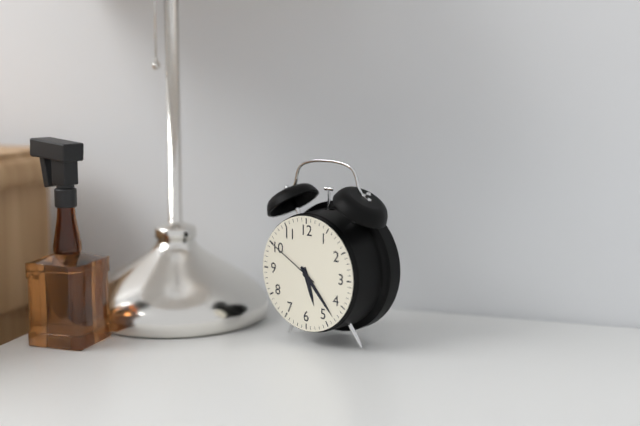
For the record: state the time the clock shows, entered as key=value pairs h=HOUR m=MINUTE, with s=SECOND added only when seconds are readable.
h=5 m=23 s=50
